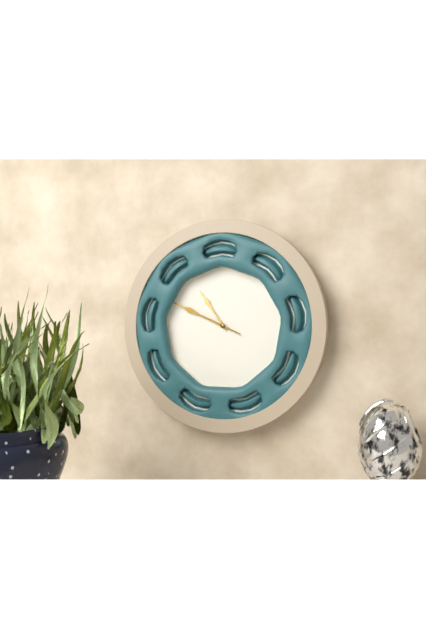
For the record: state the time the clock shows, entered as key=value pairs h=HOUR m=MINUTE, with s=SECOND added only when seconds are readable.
h=10 m=49
